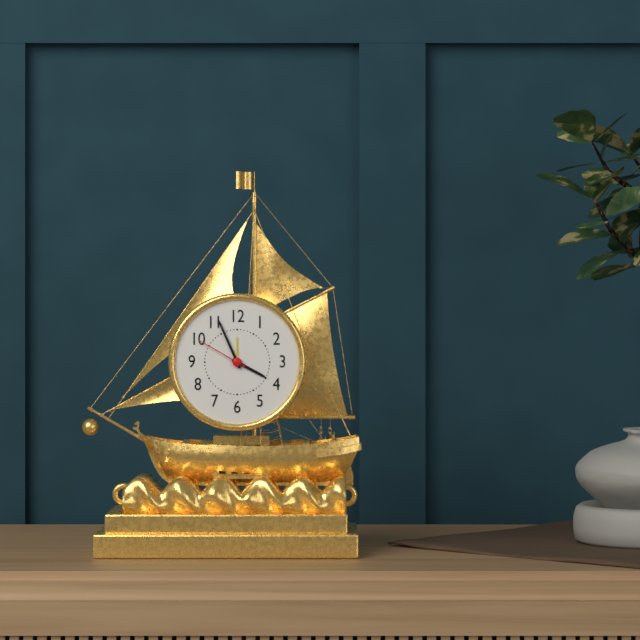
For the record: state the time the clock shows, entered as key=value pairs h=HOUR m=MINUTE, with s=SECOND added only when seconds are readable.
h=3 m=56 s=50
